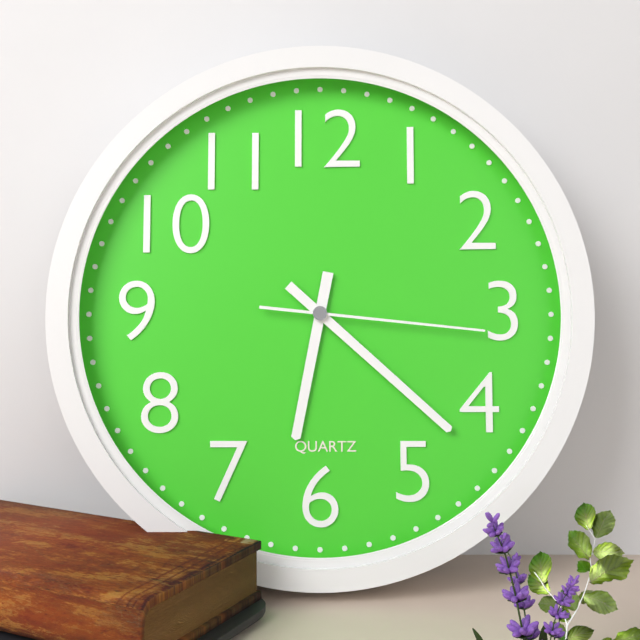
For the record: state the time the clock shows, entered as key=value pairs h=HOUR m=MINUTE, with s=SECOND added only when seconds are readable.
h=6 m=22 s=16
